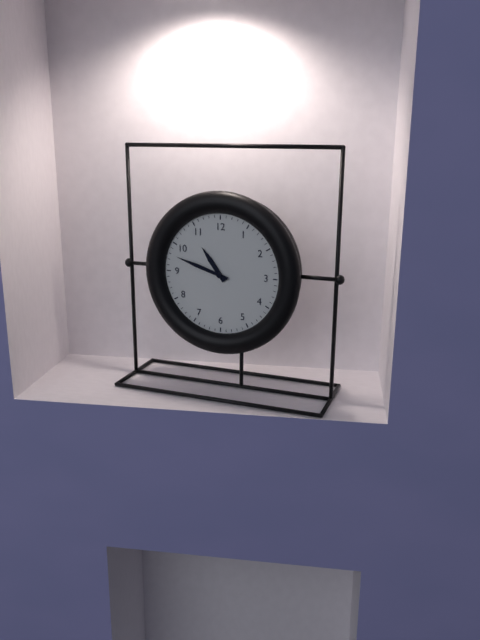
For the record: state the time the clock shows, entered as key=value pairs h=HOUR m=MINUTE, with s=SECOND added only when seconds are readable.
h=10 m=48
